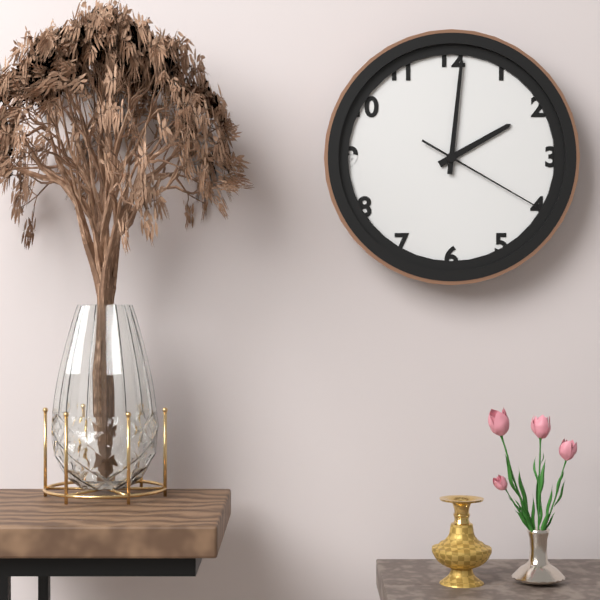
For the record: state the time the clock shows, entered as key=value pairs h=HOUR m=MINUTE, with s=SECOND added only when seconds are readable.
h=2 m=1 s=20
